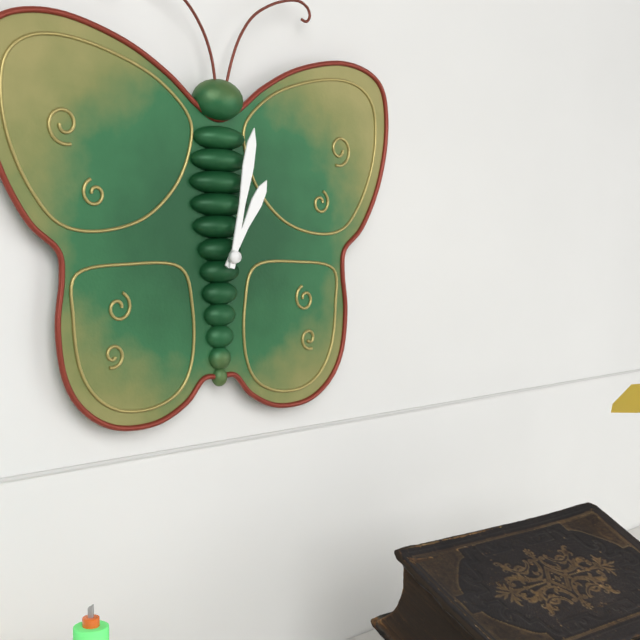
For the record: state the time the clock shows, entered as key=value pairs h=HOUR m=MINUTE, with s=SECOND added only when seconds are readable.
h=1 m=2
